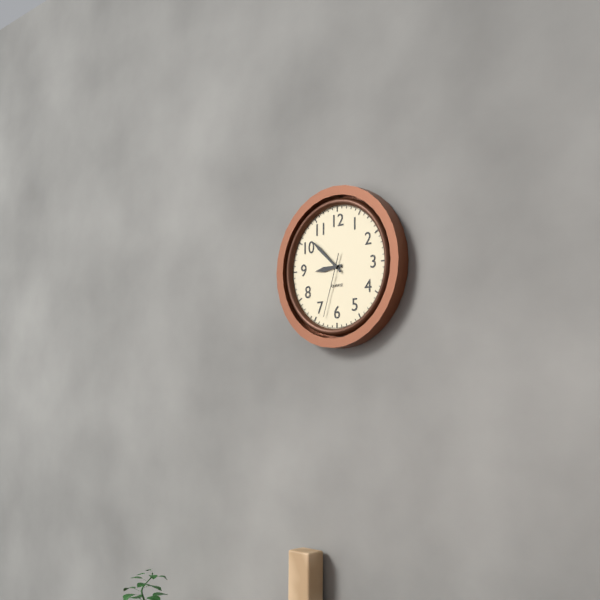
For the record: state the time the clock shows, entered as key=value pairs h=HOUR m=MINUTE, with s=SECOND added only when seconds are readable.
h=8 m=52 s=33
